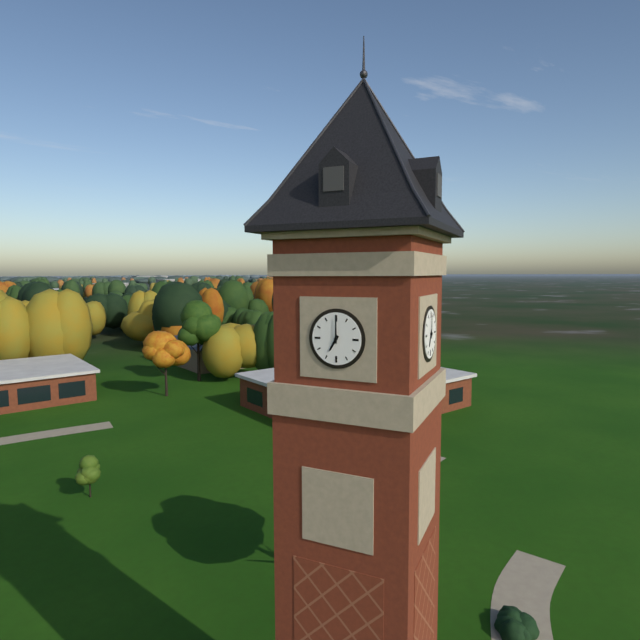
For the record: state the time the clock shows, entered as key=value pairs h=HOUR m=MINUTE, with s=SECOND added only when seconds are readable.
h=7 m=0
